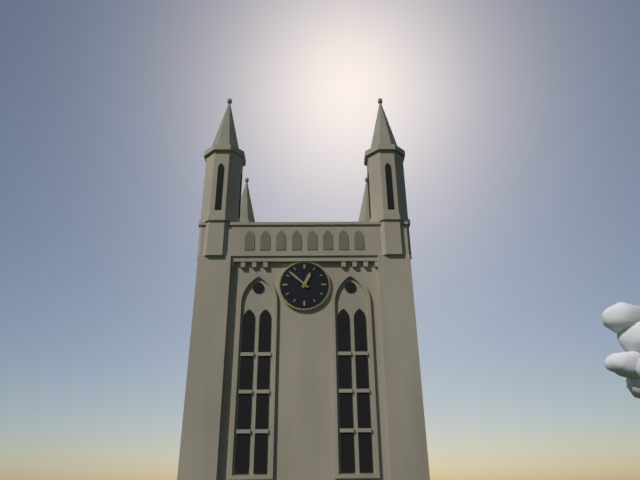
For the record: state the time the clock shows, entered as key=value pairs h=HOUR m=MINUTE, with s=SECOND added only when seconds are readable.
h=12 m=52
